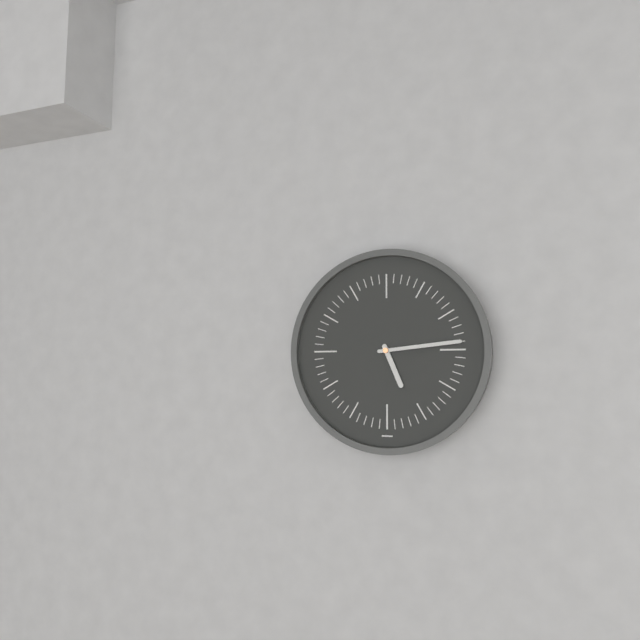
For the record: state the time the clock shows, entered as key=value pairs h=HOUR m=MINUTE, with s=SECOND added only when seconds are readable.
h=5 m=14
